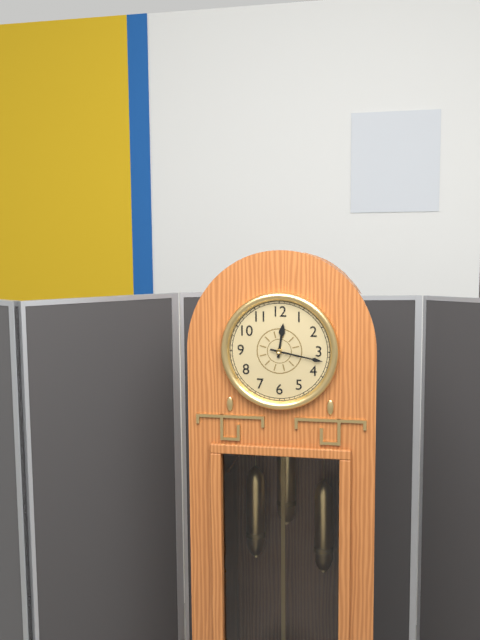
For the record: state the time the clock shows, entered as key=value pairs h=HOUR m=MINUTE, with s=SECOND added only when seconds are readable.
h=12 m=17
